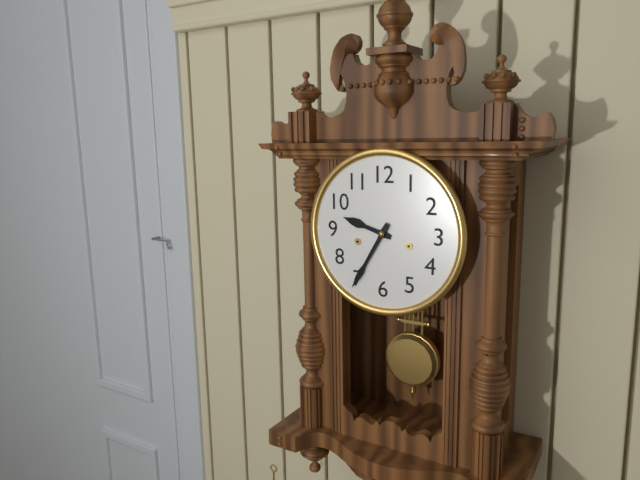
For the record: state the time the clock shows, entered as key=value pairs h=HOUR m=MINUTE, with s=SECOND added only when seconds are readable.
h=9 m=35
